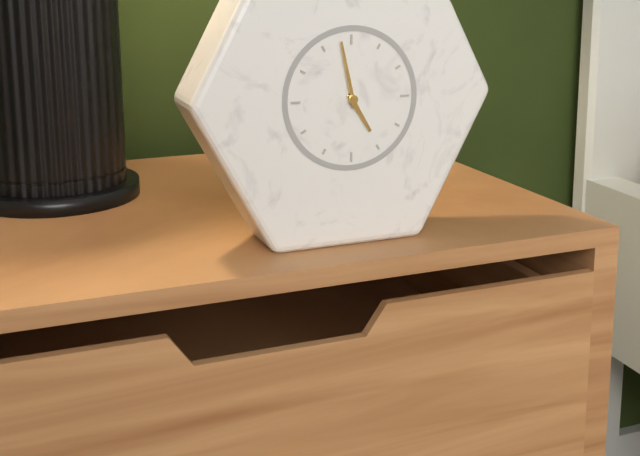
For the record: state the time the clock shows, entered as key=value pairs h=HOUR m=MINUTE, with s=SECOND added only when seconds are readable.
h=4 m=58
